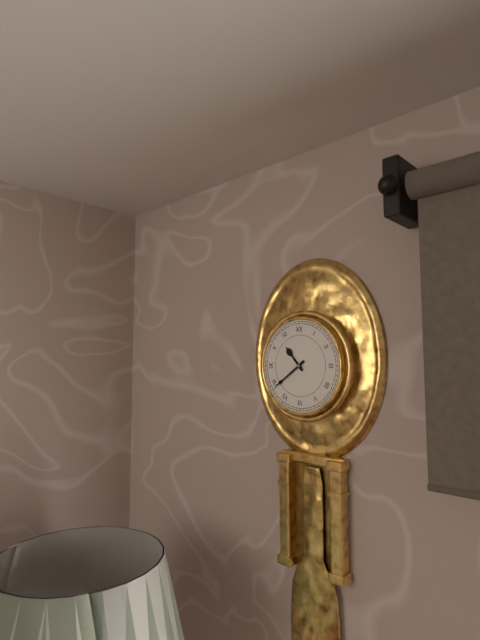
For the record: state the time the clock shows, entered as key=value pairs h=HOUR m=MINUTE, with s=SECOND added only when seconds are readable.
h=10 m=39
